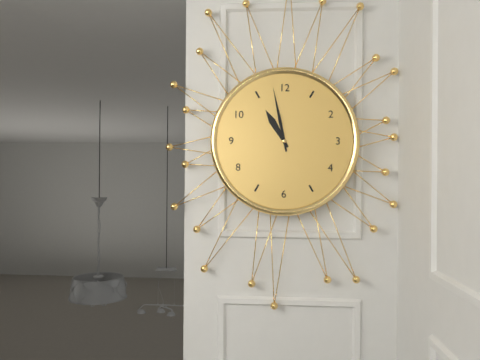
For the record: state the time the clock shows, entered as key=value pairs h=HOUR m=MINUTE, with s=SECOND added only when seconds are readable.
h=10 m=58
